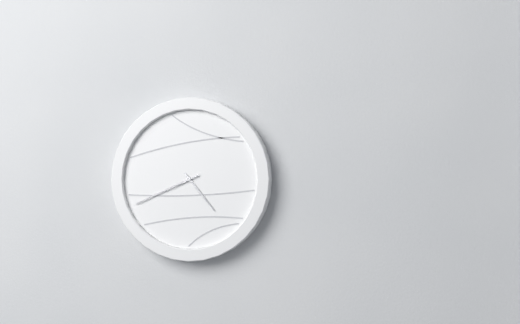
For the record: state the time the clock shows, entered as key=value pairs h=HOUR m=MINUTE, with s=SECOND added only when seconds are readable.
h=4 m=41
